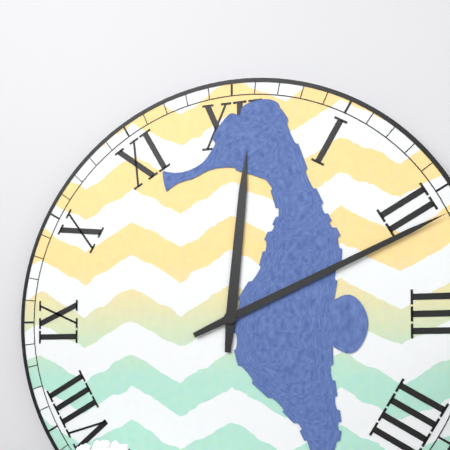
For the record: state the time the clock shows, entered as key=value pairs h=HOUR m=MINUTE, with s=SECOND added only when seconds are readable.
h=12 m=11
